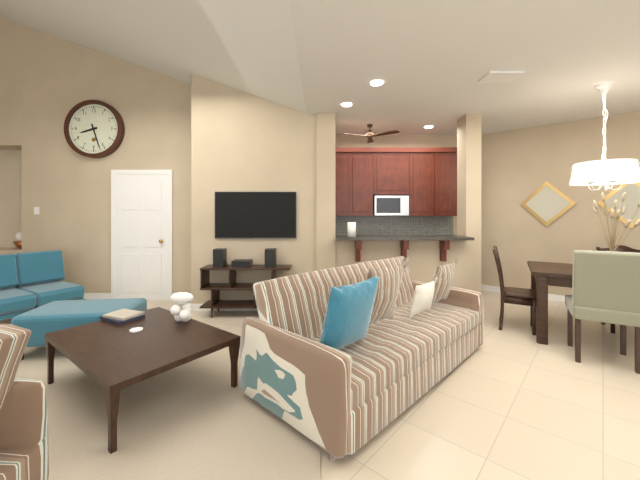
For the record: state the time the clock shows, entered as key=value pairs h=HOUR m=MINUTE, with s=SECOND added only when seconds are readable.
h=8 m=27
